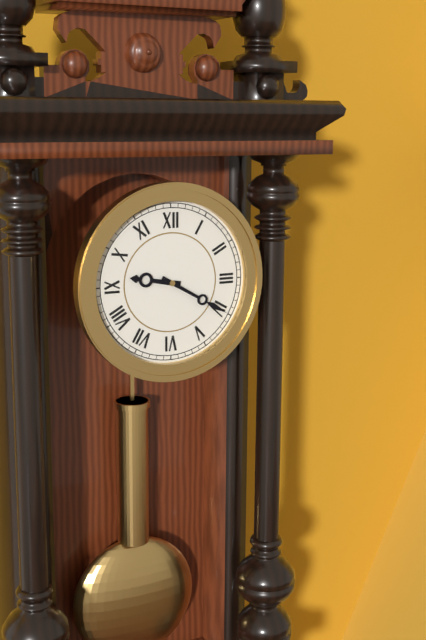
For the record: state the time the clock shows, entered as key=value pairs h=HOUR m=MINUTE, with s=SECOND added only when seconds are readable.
h=9 m=20
